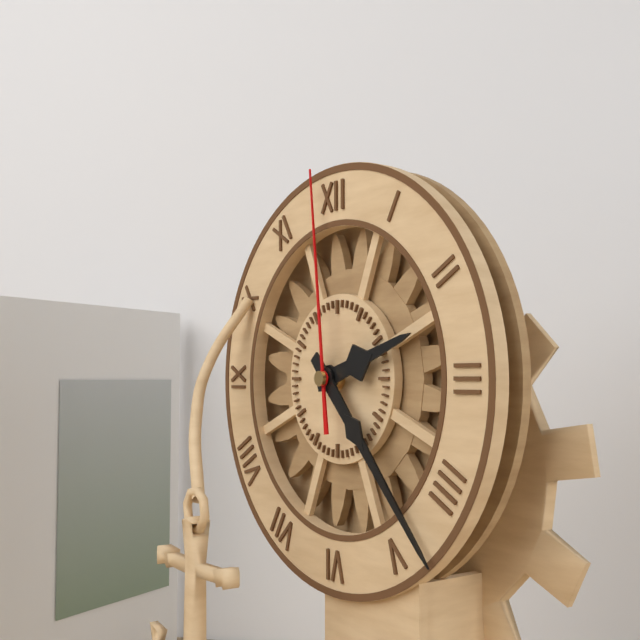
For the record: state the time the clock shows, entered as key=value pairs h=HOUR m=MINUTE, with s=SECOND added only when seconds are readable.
h=2 m=23 s=59
